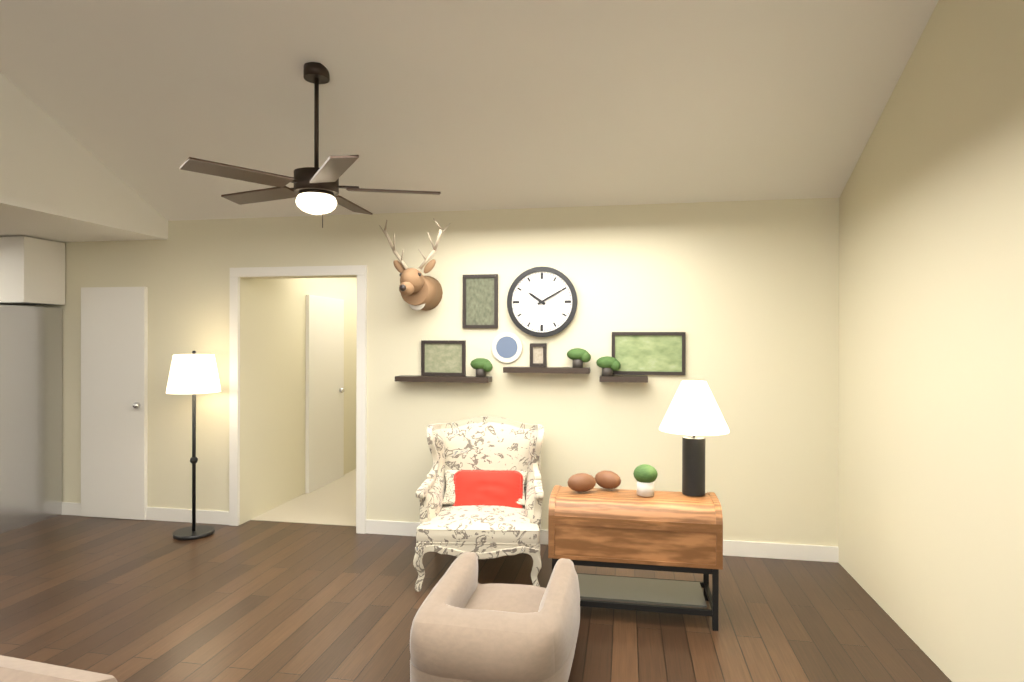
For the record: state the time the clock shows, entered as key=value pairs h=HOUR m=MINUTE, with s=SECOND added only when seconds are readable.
h=10 m=10
